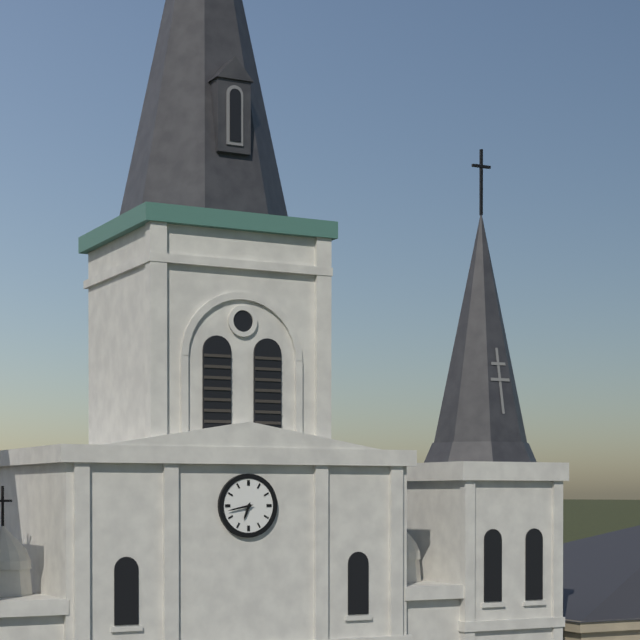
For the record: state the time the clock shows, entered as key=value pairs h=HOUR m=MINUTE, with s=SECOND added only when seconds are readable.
h=6 m=43
